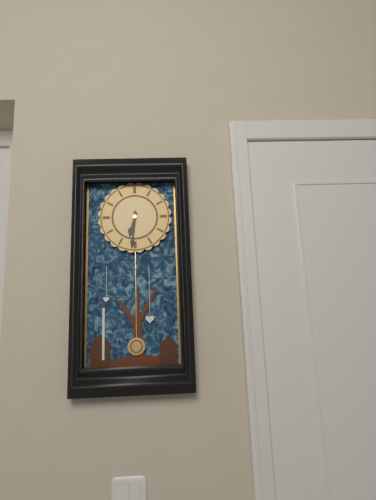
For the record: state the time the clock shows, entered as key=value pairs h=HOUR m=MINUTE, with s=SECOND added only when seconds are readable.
h=6 m=31
